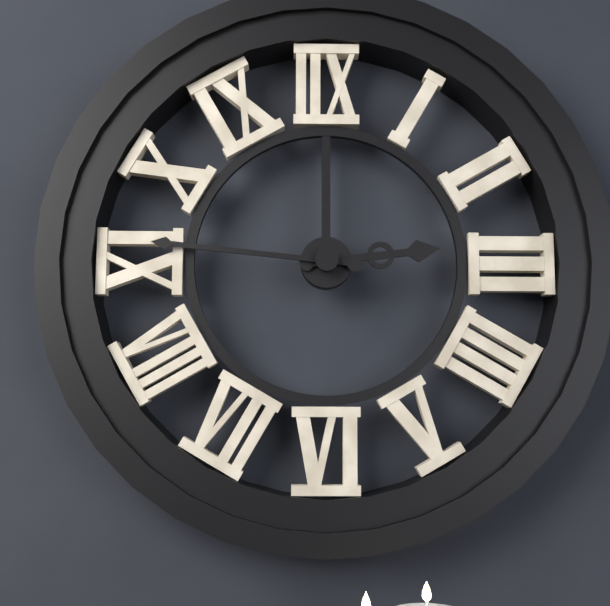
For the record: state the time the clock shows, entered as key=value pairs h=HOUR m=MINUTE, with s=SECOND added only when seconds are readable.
h=2 m=46
